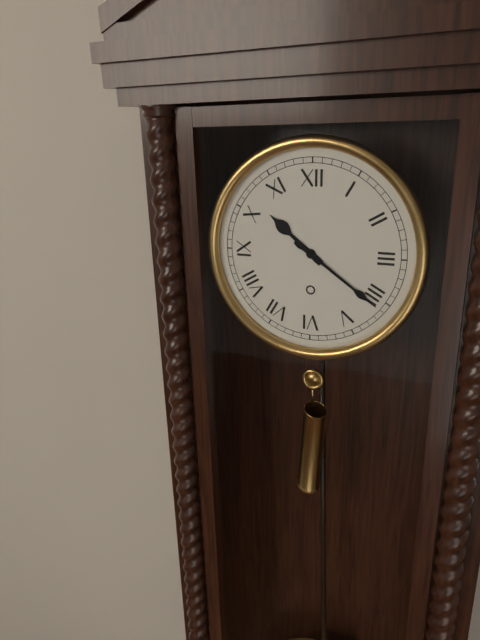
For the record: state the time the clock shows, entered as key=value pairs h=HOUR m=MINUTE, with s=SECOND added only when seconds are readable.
h=10 m=21
